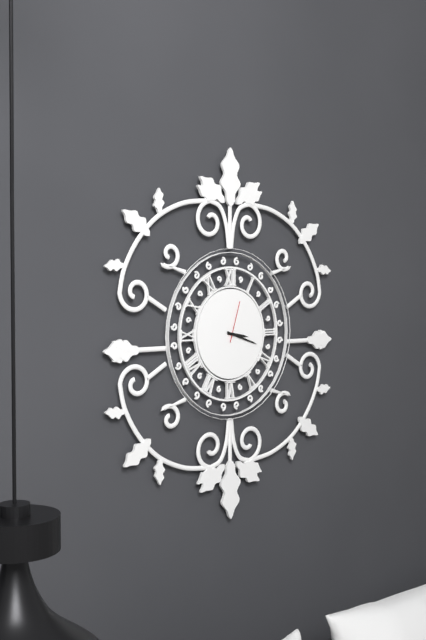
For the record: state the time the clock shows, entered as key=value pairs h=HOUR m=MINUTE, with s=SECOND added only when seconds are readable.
h=3 m=18
